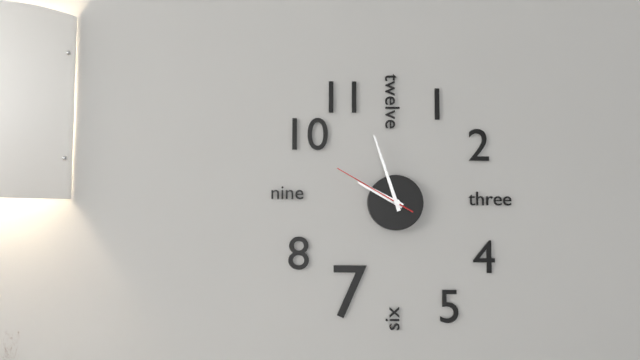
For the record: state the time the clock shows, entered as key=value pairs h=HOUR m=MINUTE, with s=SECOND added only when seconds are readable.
h=9 m=57 s=50
